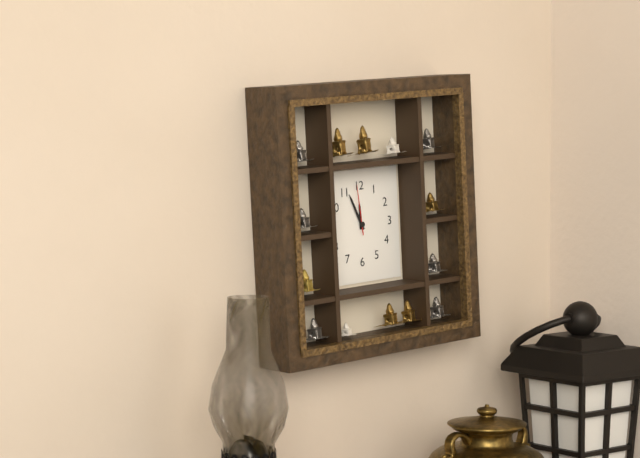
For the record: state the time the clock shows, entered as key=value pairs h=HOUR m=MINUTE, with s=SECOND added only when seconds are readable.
h=11 m=56 s=59
